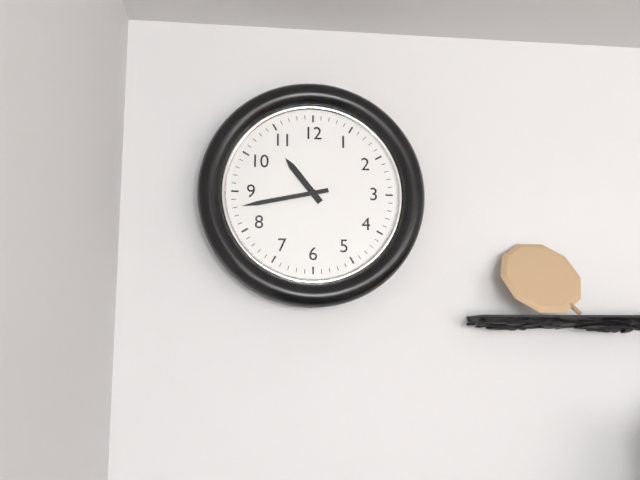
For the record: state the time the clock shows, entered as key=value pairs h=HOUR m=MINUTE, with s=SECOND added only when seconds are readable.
h=10 m=43
